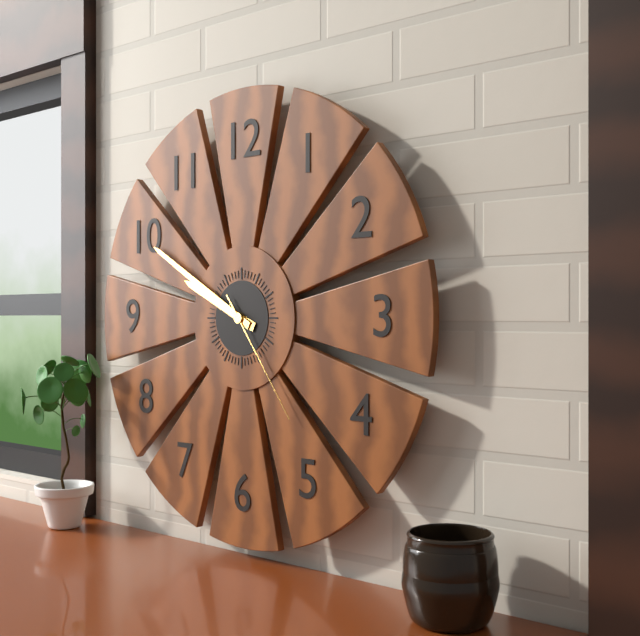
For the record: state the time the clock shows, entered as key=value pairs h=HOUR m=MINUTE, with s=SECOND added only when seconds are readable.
h=9 m=50 s=24
